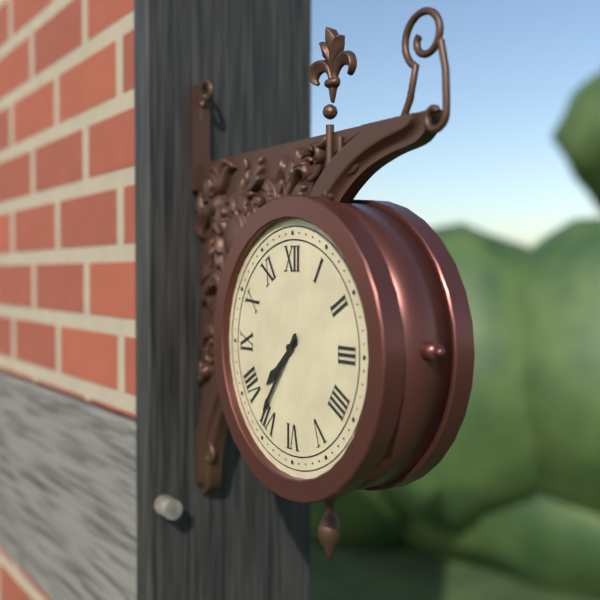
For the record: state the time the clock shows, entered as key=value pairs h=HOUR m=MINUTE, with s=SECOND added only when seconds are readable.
h=7 m=36
